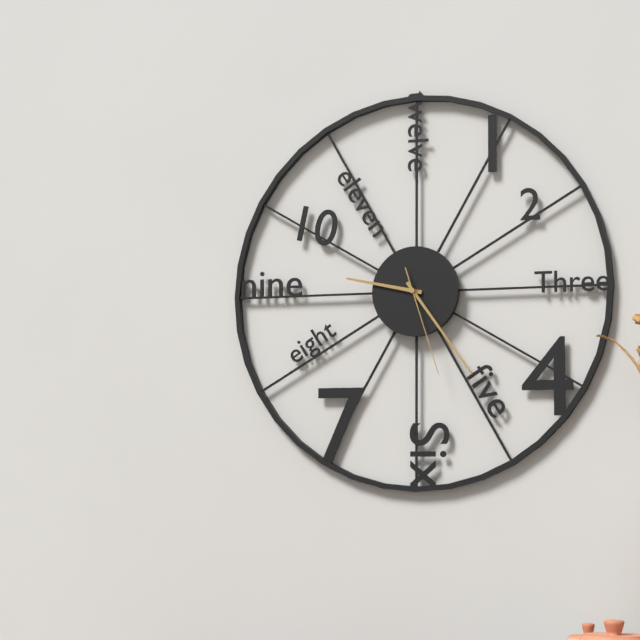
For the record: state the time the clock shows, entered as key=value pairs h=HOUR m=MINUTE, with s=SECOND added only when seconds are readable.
h=9 m=24 s=27
